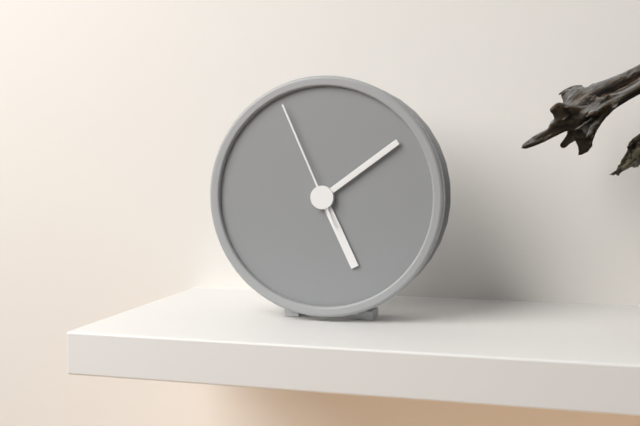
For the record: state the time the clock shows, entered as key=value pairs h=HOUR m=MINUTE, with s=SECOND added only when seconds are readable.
h=5 m=9 s=56
